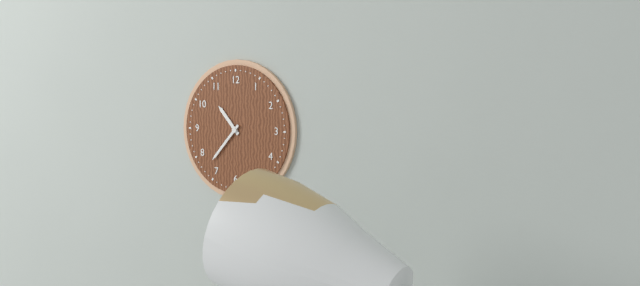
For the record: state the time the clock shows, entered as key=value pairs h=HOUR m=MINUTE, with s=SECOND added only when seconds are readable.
h=10 m=37
